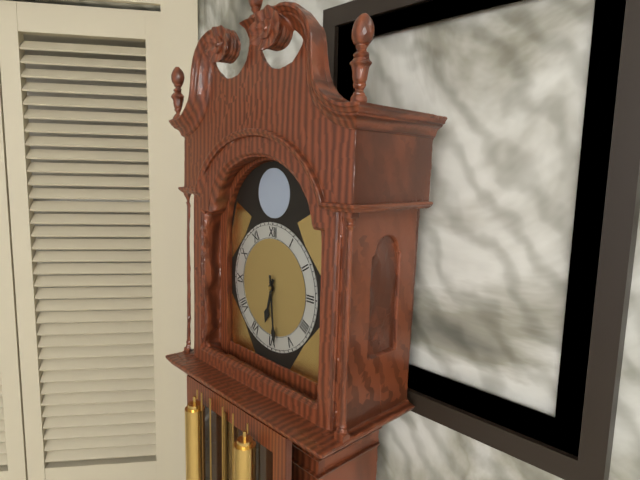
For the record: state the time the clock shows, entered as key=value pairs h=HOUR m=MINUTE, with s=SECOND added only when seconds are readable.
h=6 m=29
